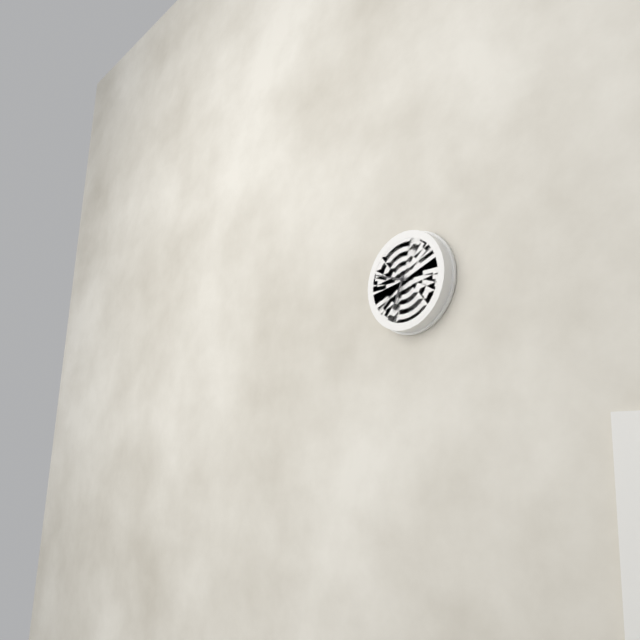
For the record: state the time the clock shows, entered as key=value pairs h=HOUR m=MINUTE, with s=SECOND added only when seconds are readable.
h=6 m=48
